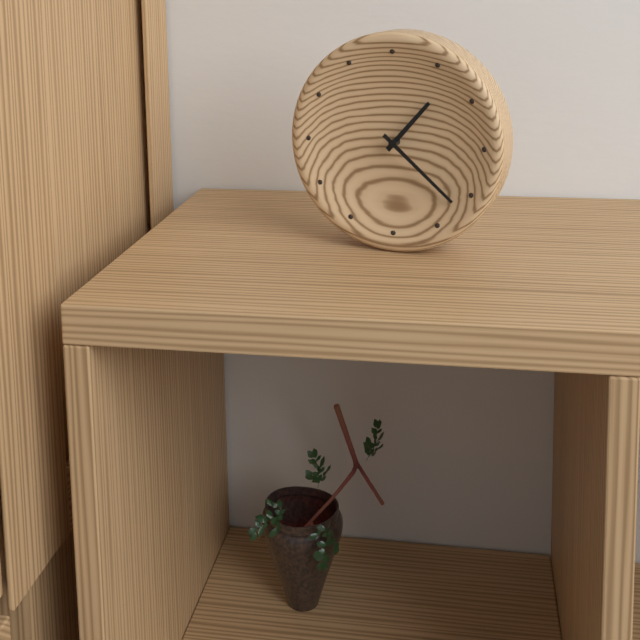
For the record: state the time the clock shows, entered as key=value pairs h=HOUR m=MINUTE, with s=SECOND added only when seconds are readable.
h=1 m=22
